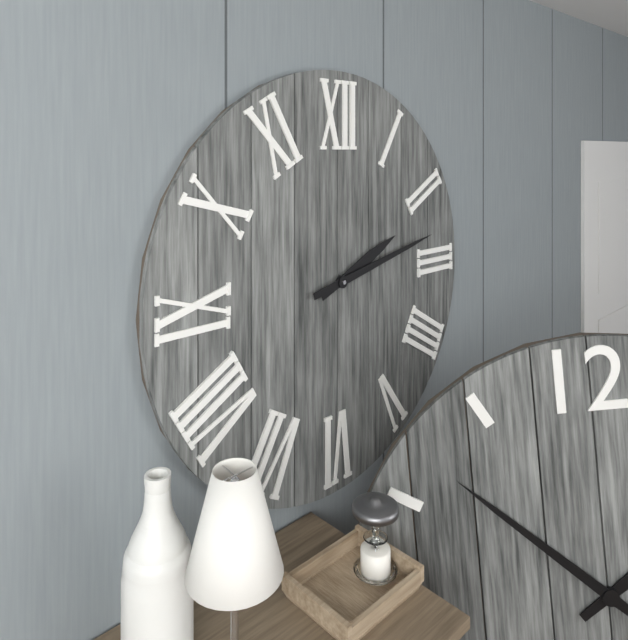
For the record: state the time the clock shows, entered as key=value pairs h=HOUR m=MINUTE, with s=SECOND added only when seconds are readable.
h=2 m=13
